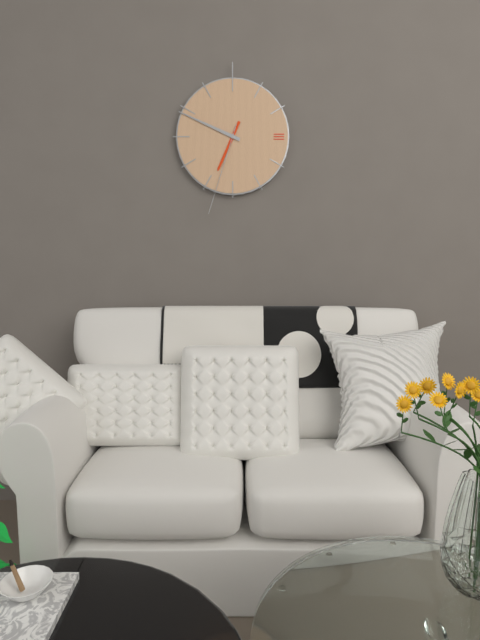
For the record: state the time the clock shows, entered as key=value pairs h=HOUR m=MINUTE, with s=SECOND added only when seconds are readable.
h=6 m=49 s=33
